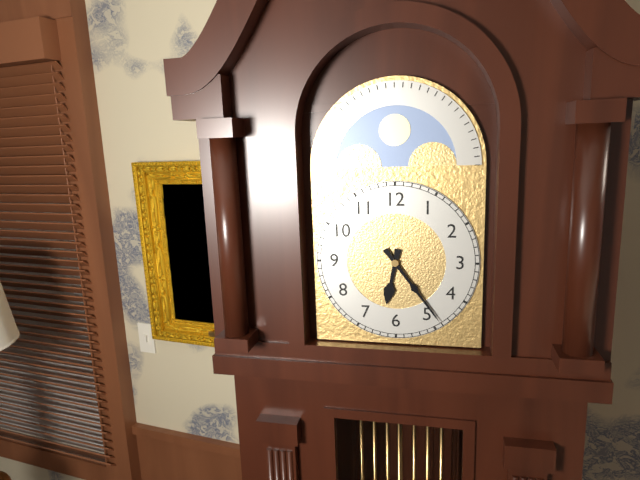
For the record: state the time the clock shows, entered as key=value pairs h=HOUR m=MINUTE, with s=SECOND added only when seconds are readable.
h=6 m=24
